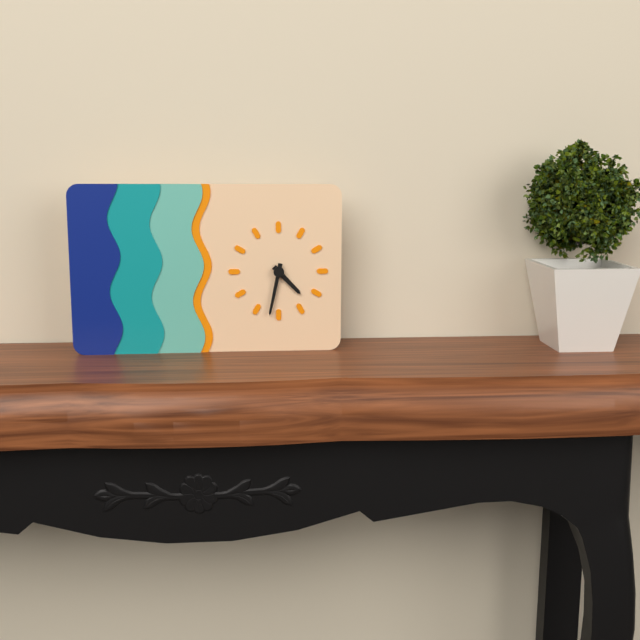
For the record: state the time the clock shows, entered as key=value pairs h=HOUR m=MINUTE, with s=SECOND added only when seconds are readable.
h=4 m=32
